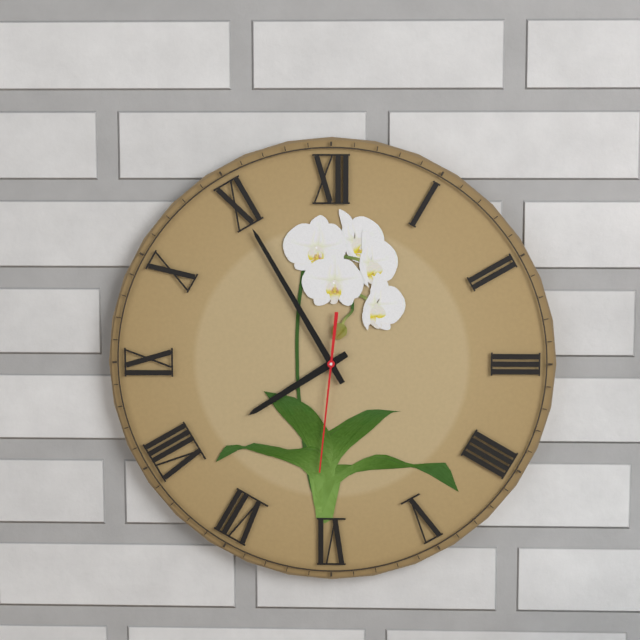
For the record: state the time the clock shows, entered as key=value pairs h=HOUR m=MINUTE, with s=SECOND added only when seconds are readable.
h=7 m=55 s=31
